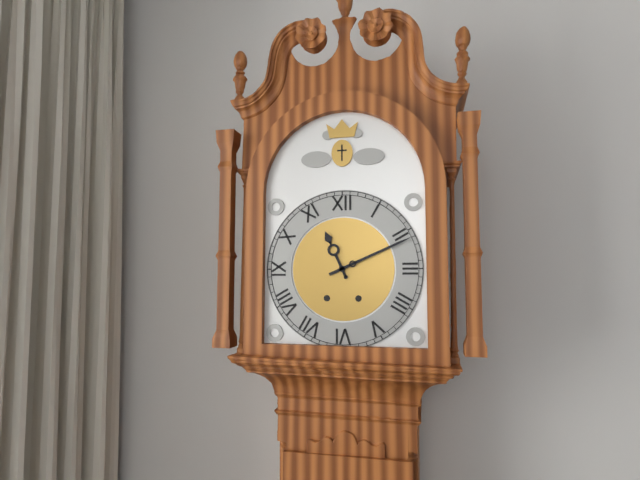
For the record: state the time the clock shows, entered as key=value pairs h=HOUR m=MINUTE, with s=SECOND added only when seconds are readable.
h=11 m=11
